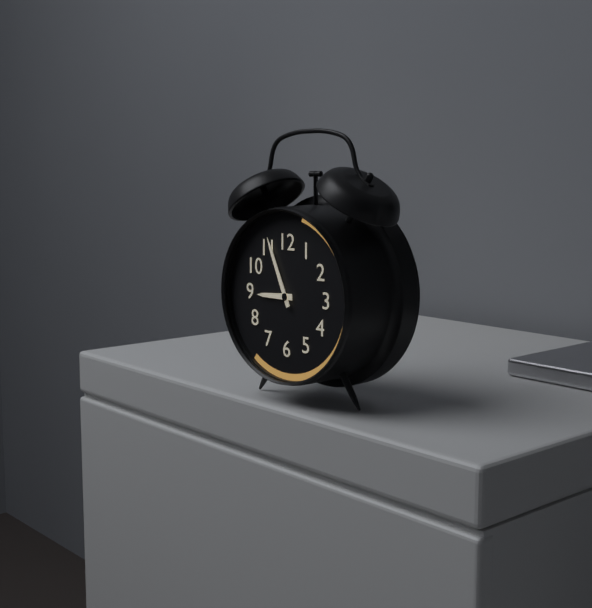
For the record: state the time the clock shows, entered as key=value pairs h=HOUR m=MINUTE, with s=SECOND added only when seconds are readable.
h=8 m=56
